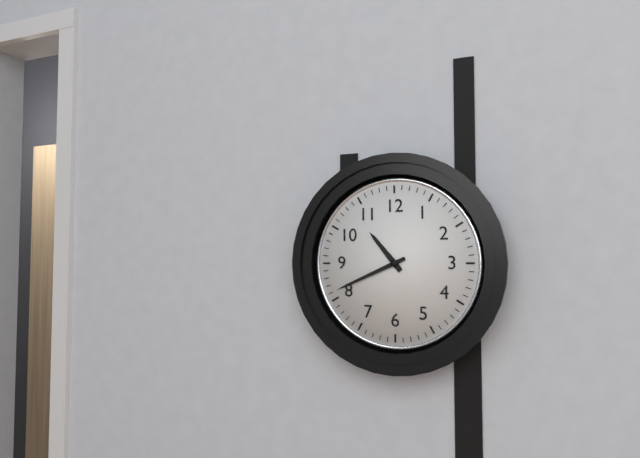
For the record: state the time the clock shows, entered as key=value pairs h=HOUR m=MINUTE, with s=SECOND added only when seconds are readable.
h=10 m=41
